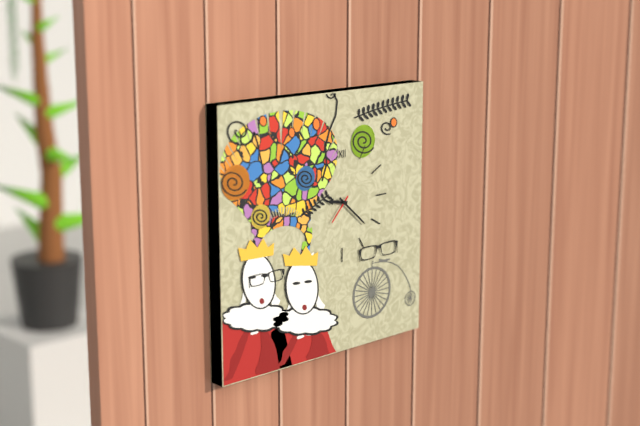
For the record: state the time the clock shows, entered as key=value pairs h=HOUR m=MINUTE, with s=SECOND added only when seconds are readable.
h=9 m=22
